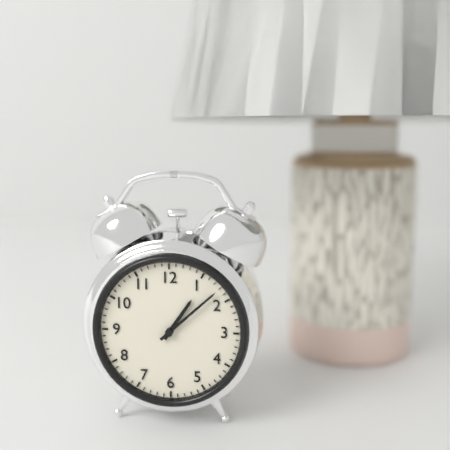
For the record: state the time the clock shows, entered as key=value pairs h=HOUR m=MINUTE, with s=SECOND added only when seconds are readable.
h=1 m=8
